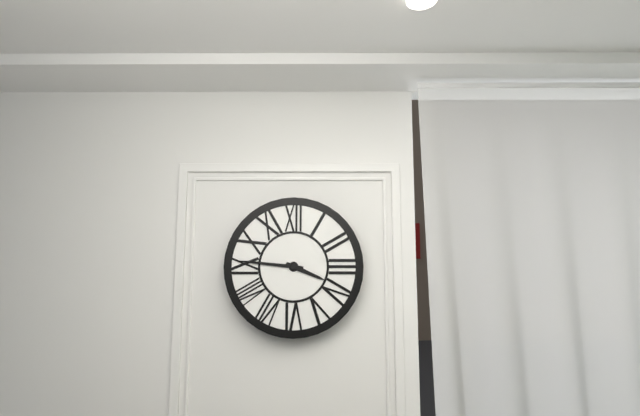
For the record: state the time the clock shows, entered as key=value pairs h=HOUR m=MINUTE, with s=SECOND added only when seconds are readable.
h=3 m=46
